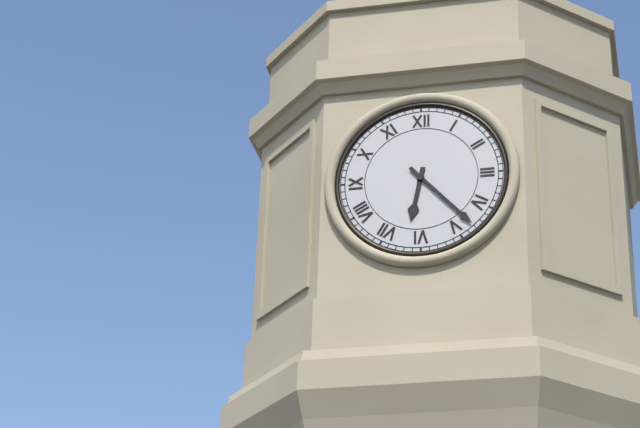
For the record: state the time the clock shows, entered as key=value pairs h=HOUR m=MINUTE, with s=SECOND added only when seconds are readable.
h=6 m=23
